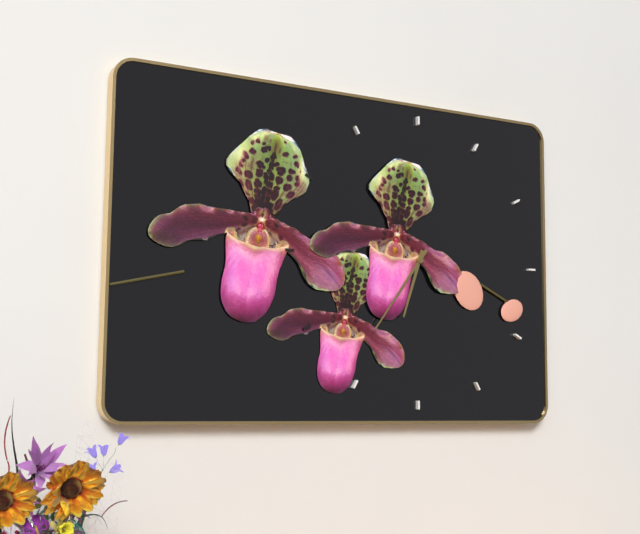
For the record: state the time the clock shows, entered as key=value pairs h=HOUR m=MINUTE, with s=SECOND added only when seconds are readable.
h=6 m=36
